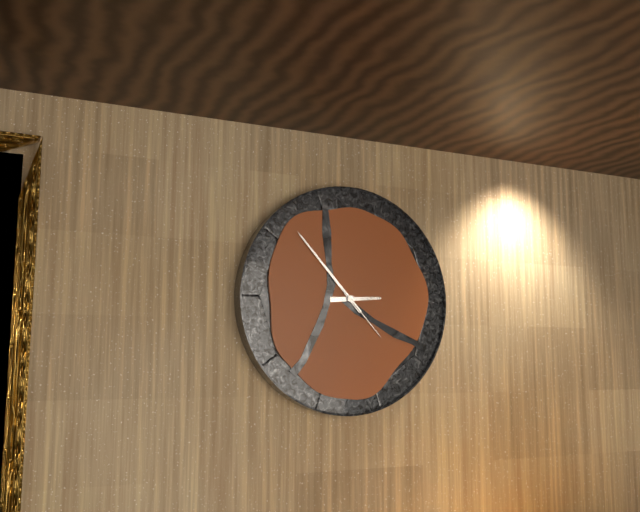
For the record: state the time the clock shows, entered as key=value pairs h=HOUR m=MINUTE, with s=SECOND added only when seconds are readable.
h=2 m=53 s=23
